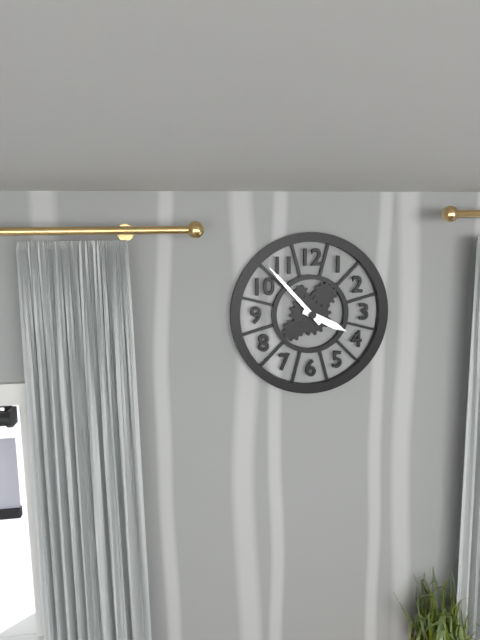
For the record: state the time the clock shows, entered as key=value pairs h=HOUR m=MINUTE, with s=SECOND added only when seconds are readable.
h=3 m=53
